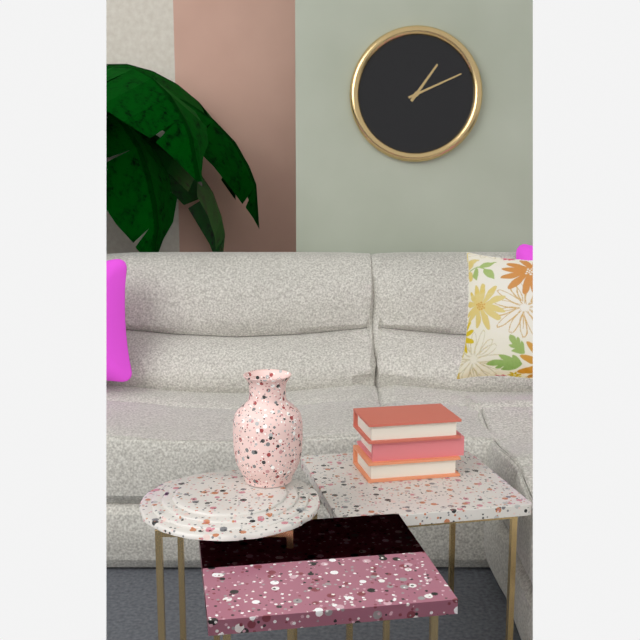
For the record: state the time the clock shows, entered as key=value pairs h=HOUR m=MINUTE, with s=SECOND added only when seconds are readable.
h=1 m=11
